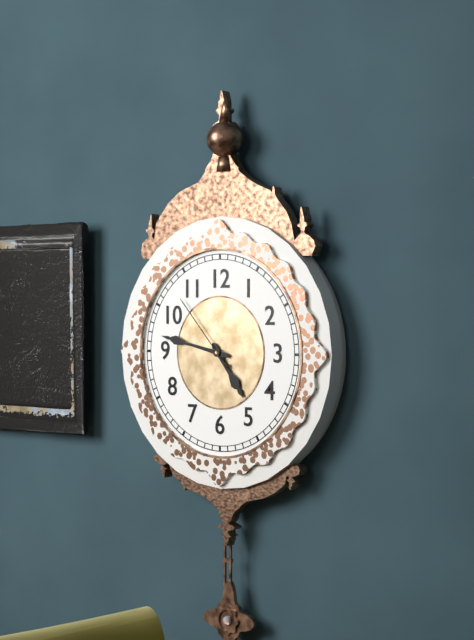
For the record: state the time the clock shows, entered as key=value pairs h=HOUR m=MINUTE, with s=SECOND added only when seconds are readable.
h=4 m=47 s=53
